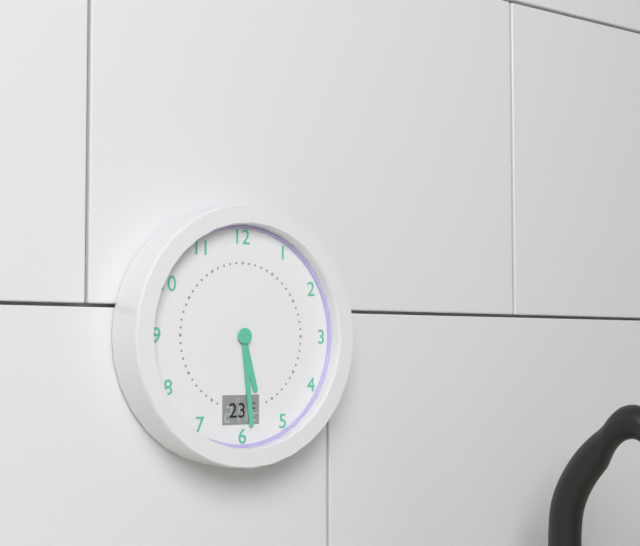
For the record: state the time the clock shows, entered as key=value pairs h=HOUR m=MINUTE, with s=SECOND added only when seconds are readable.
h=5 m=29
